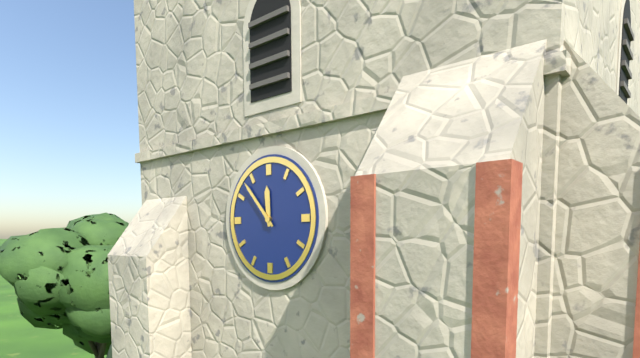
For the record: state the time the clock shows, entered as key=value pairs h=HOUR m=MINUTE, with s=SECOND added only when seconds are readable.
h=11 m=53
